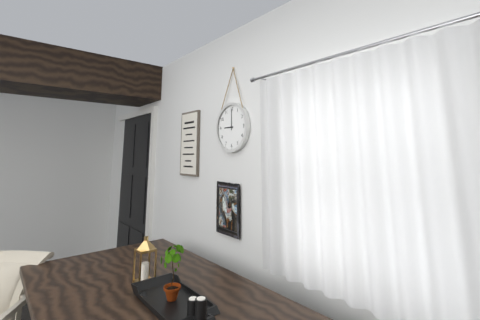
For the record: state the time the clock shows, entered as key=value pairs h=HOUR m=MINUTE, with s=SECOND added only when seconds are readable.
h=9 m=0
